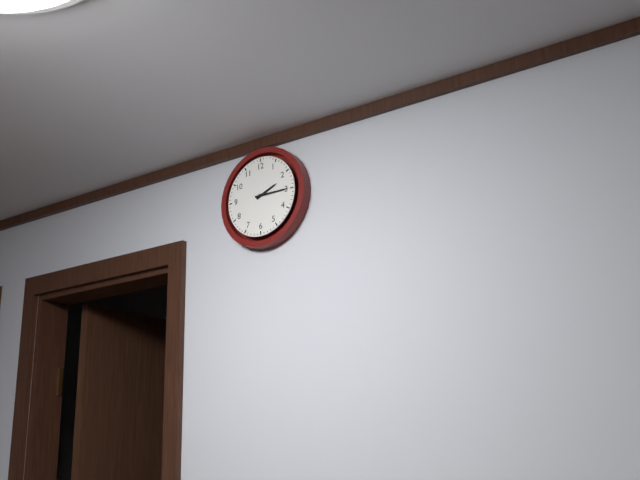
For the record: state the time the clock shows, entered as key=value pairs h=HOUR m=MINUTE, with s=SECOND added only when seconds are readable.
h=2 m=15
